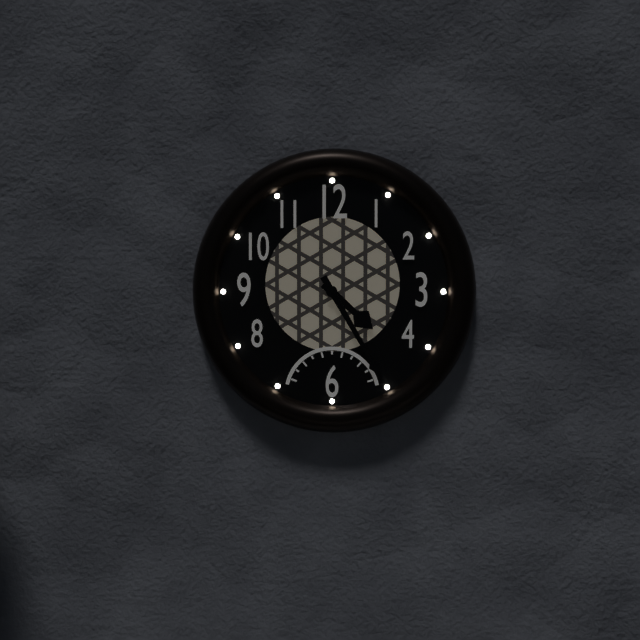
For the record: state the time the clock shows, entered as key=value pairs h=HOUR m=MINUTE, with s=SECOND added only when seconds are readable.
h=4 m=25
